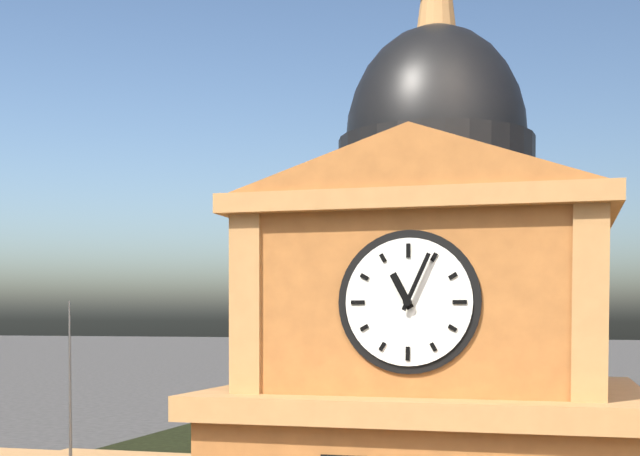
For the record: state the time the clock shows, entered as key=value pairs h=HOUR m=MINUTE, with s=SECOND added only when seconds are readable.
h=11 m=4
